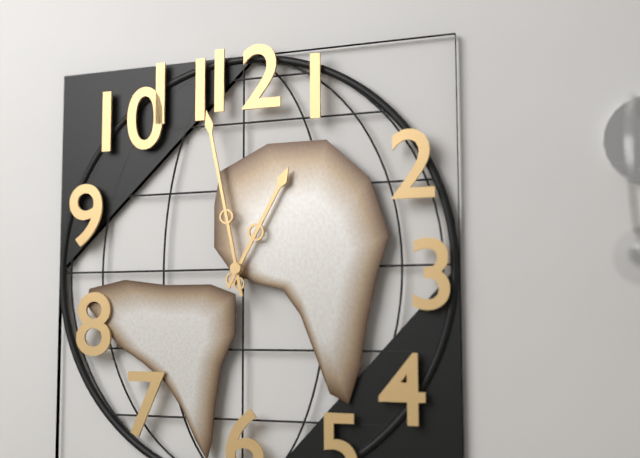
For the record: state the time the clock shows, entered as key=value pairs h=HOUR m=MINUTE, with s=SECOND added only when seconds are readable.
h=12 m=58
